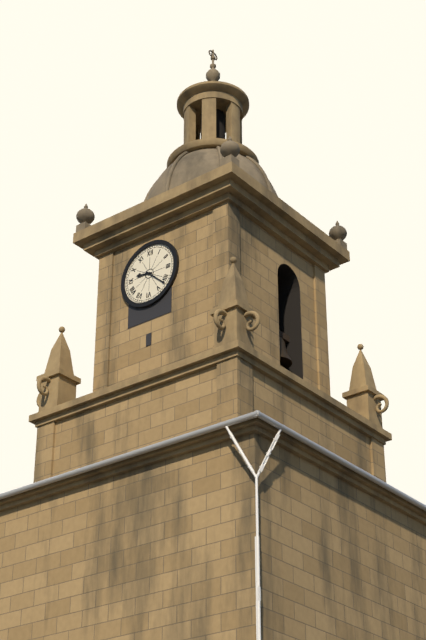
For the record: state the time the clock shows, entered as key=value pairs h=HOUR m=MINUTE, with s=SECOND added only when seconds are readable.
h=9 m=22
